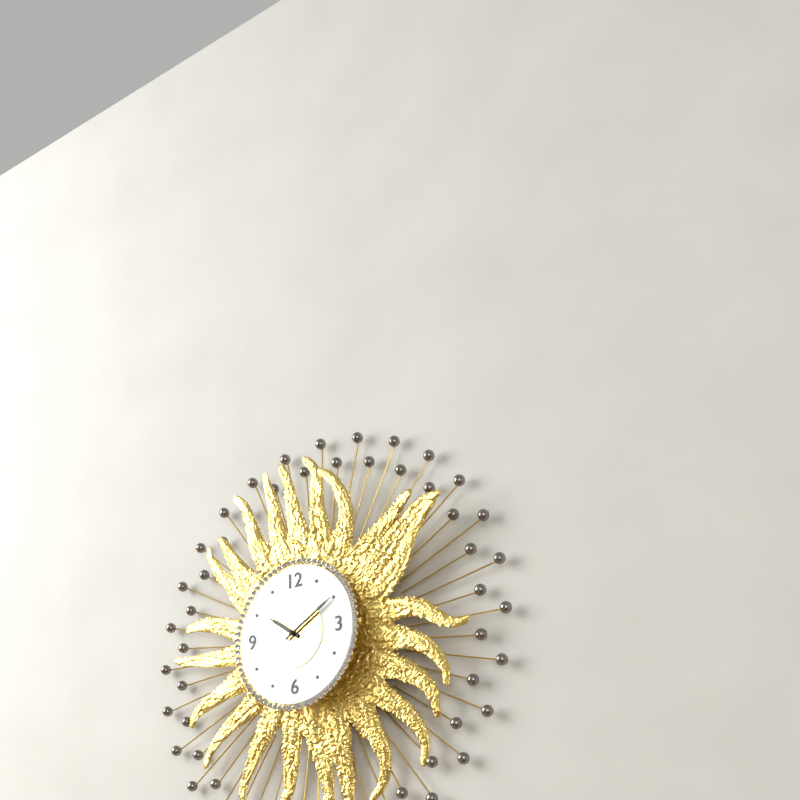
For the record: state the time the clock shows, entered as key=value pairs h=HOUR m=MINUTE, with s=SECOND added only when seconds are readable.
h=10 m=10
